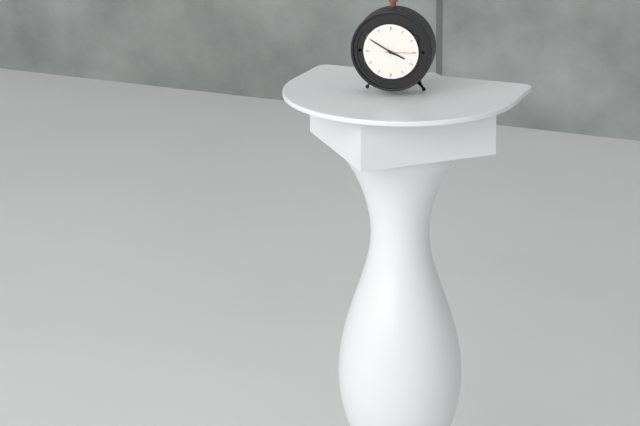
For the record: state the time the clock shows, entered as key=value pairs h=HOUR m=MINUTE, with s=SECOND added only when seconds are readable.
h=3 m=50
